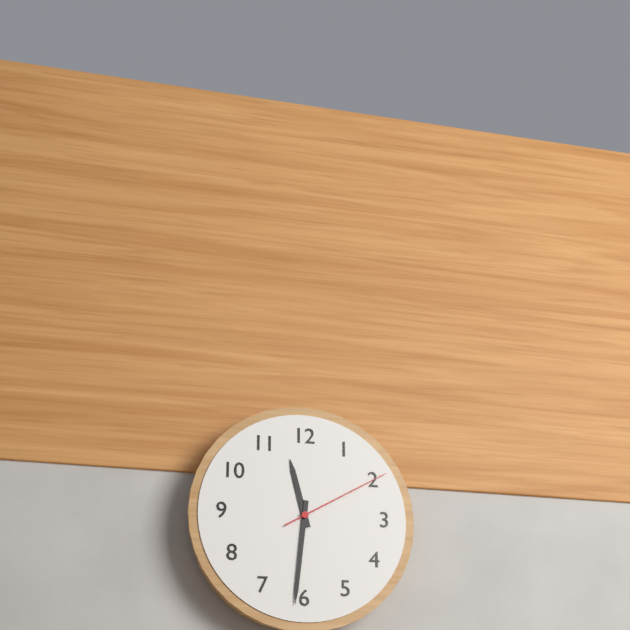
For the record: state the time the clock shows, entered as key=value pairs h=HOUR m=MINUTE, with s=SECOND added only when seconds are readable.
h=11 m=31 s=10
